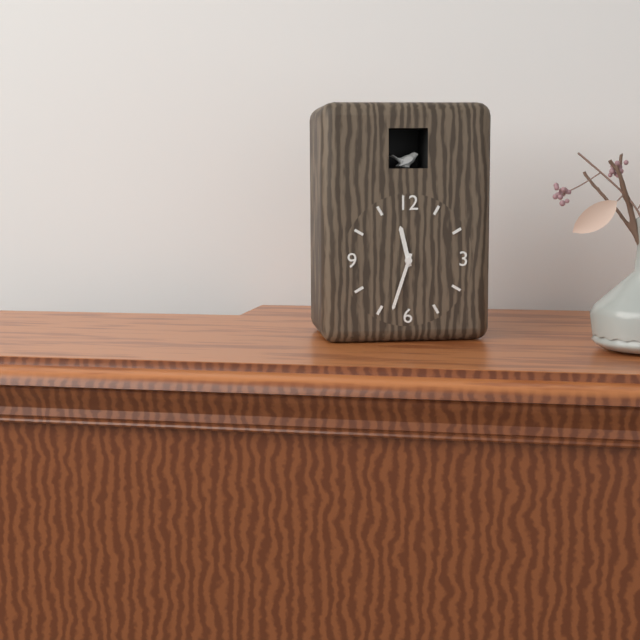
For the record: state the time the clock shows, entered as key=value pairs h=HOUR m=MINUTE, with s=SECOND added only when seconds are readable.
h=11 m=33
